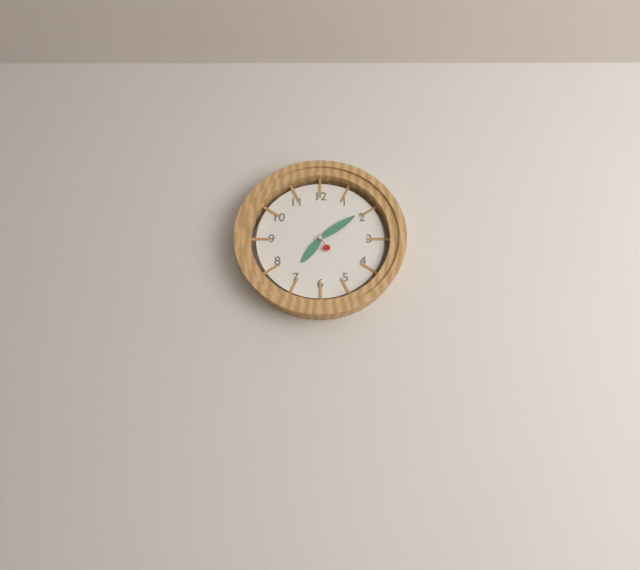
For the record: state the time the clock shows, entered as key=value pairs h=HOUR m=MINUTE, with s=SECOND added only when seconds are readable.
h=7 m=9
